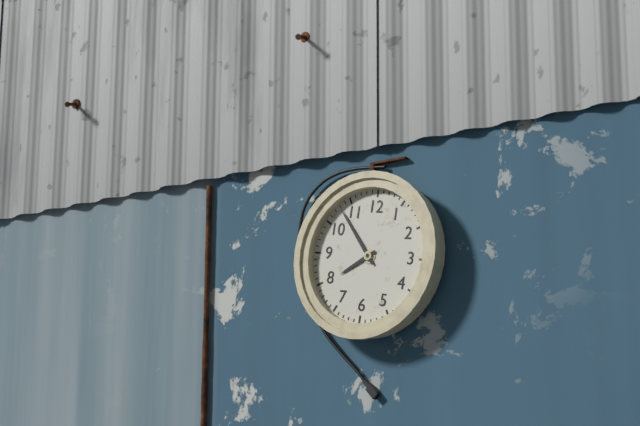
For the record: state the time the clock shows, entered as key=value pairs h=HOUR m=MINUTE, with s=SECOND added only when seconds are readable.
h=7 m=53
